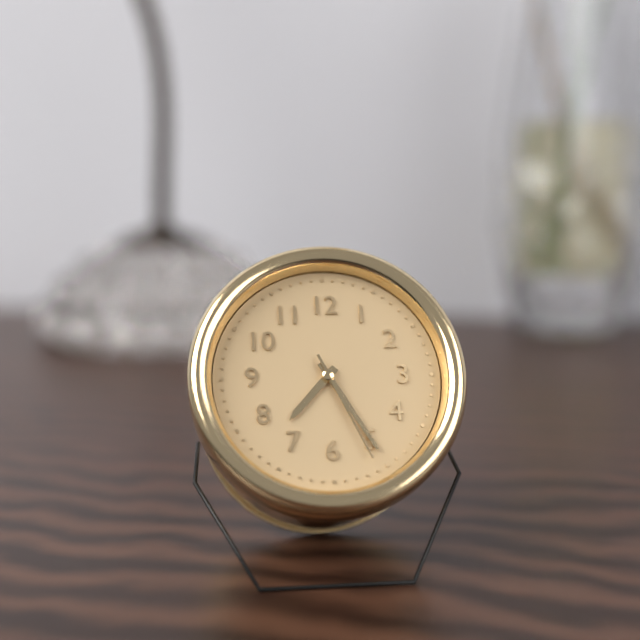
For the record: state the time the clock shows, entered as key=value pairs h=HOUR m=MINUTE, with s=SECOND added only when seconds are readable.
h=7 m=25 s=26
